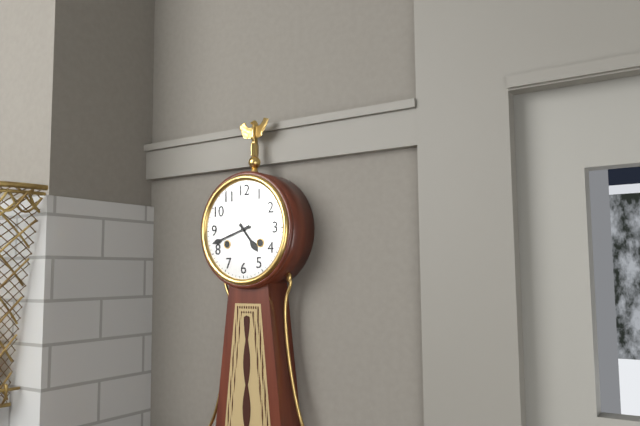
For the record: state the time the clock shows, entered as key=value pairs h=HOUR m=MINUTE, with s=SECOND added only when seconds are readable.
h=4 m=42
